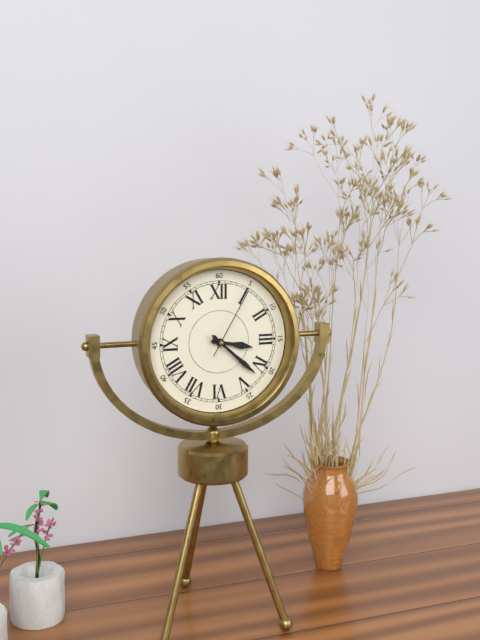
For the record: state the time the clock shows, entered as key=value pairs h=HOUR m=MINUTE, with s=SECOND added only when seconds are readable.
h=3 m=22 s=5
